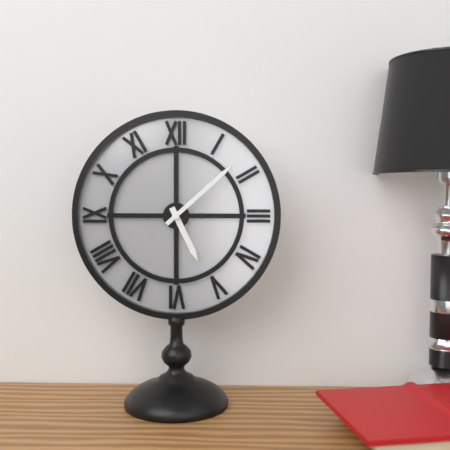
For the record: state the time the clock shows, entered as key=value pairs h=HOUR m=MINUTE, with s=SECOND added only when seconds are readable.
h=5 m=8
